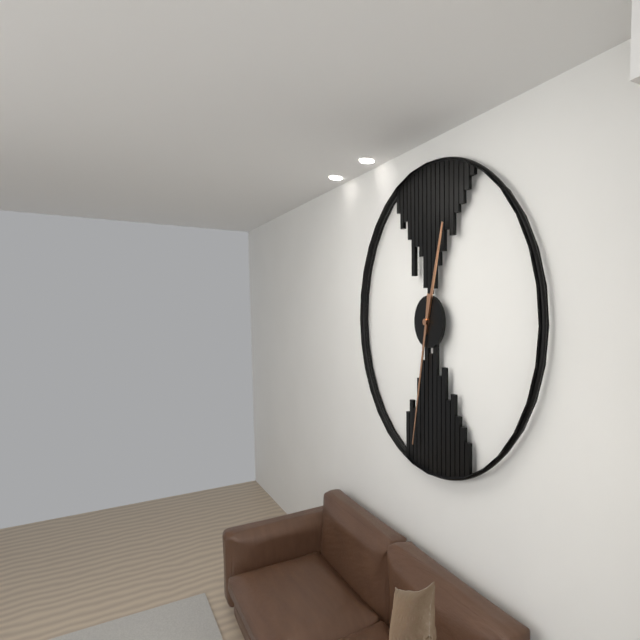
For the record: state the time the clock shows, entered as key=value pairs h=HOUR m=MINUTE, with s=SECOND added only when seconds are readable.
h=12 m=32
